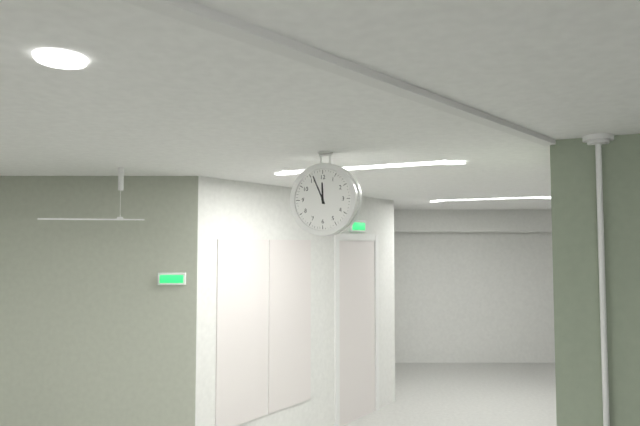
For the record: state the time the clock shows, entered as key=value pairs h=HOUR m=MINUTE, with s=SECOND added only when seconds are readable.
h=11 m=56
